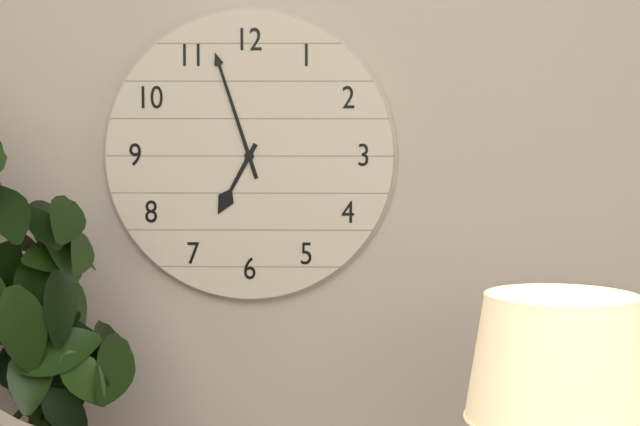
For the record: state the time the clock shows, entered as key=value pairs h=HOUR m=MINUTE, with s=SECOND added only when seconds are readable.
h=6 m=57
